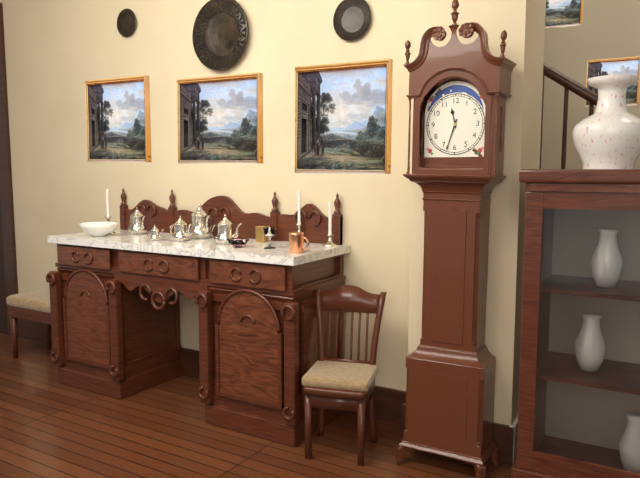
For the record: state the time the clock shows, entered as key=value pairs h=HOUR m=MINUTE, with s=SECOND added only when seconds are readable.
h=11 m=33
